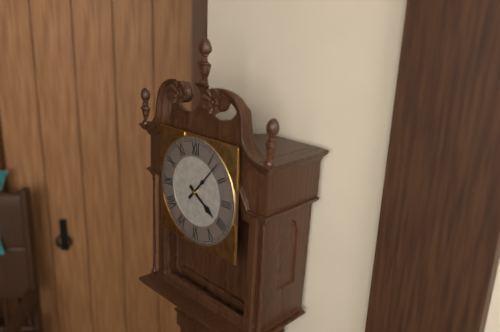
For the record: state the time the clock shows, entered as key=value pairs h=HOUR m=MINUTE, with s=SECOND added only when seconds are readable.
h=4 m=7
